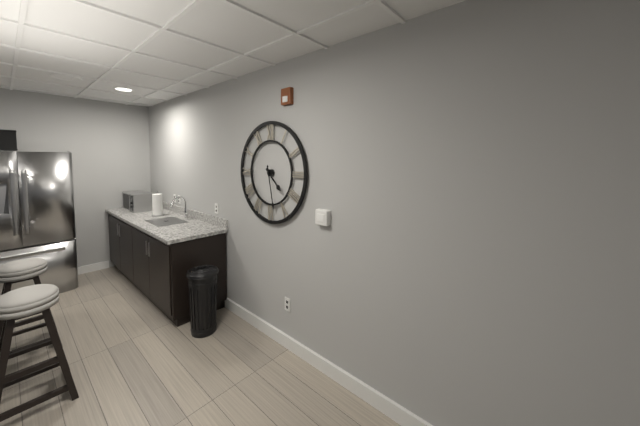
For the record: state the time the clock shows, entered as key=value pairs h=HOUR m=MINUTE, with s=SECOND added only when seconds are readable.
h=4 m=28
